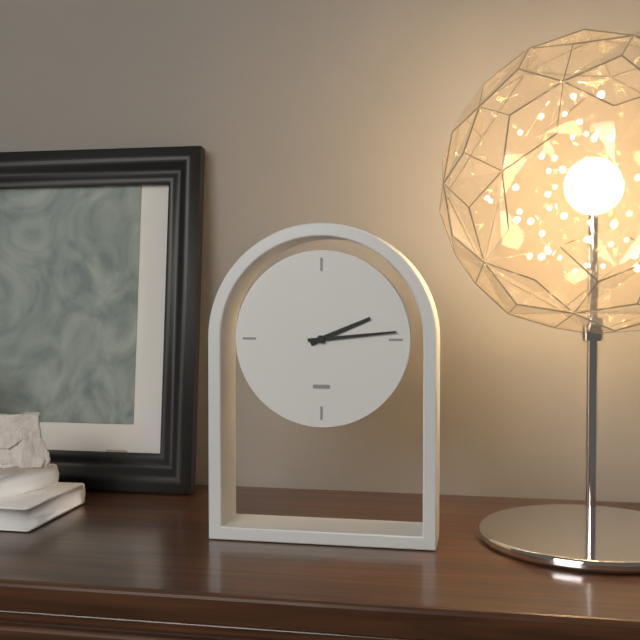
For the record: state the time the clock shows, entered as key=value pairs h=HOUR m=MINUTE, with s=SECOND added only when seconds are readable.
h=2 m=14
